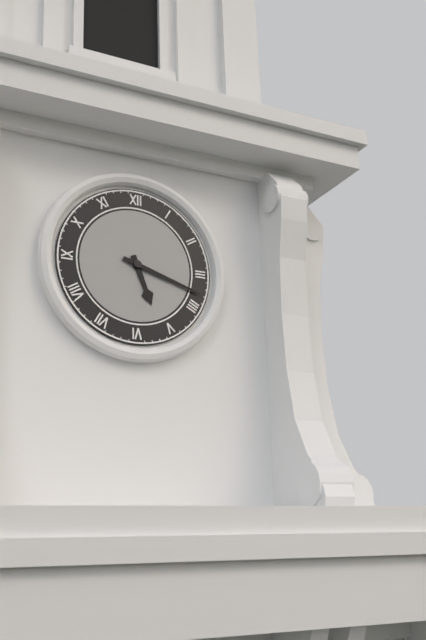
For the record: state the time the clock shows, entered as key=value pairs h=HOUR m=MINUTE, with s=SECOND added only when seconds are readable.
h=5 m=18
